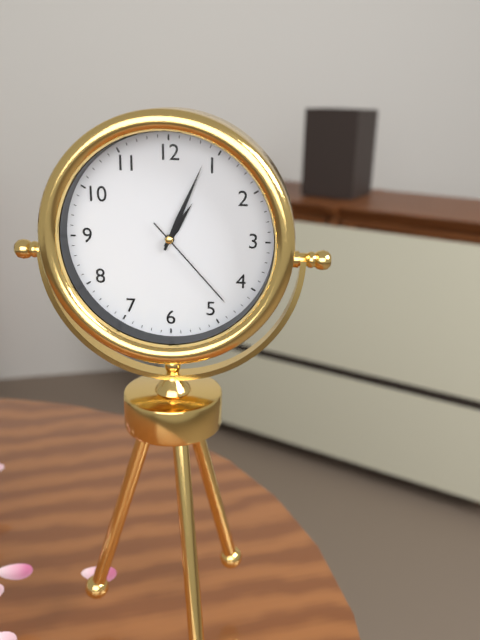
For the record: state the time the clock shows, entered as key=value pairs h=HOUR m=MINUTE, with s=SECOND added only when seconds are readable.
h=1 m=4 s=23
